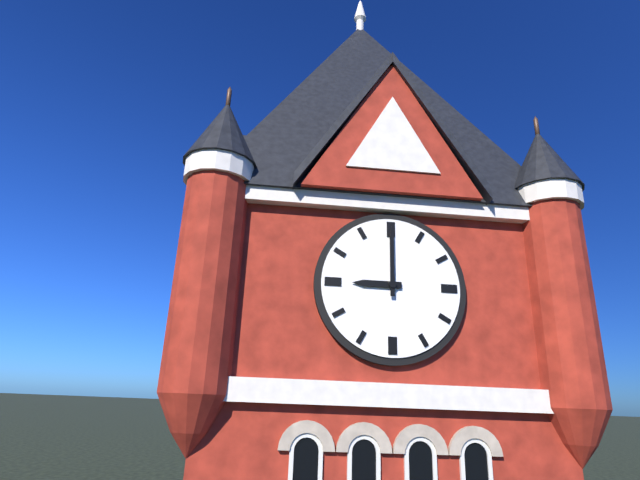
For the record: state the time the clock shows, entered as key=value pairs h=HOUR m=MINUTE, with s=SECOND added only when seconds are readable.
h=9 m=0
